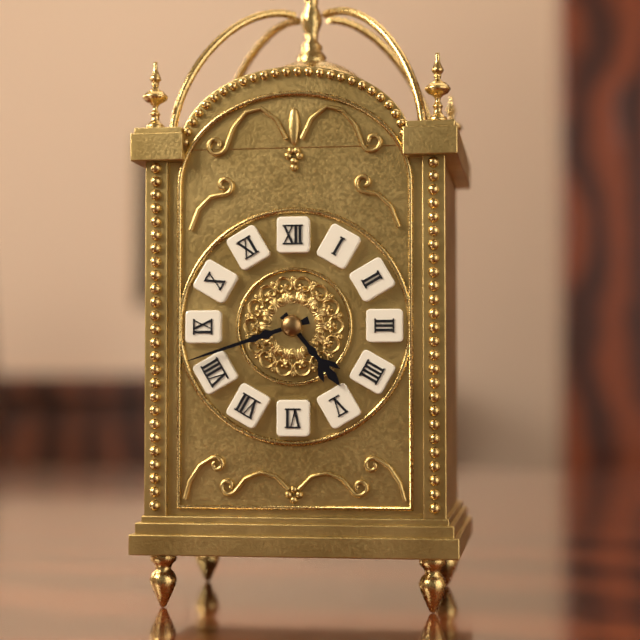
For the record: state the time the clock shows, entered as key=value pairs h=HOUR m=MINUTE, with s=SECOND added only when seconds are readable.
h=4 m=42
